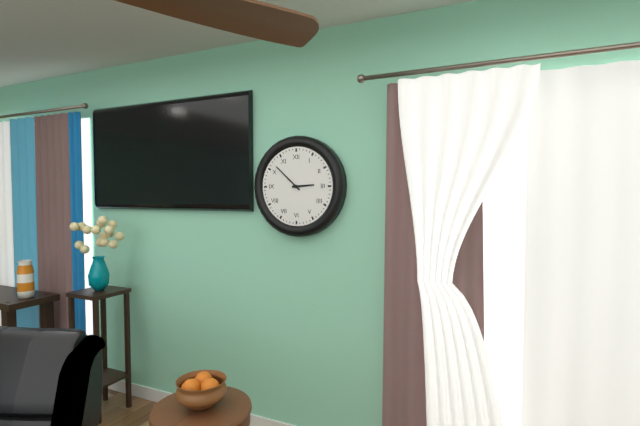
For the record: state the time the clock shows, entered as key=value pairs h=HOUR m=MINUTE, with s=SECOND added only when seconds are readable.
h=2 m=52
